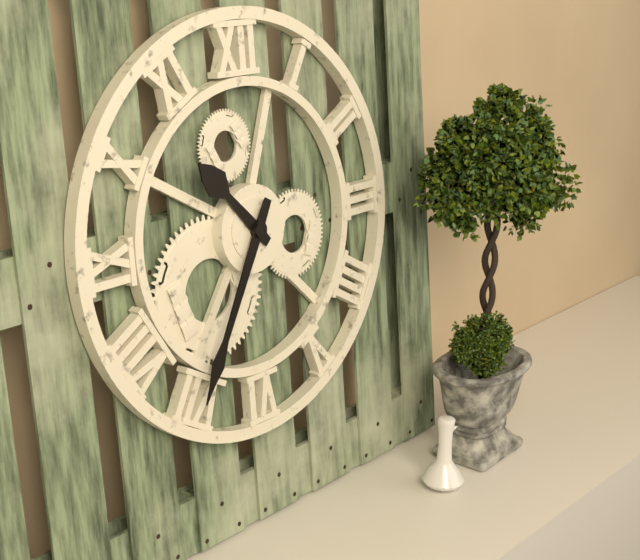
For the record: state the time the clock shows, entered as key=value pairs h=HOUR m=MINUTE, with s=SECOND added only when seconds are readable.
h=10 m=35
